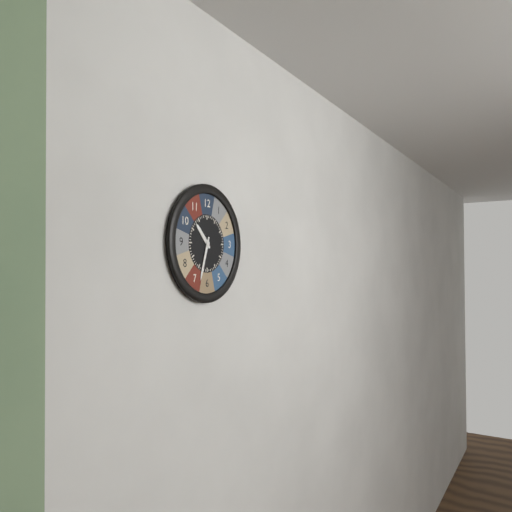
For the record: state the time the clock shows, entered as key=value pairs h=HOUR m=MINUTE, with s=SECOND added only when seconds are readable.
h=10 m=33
